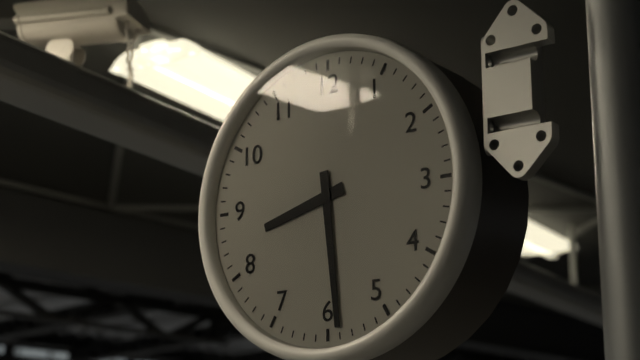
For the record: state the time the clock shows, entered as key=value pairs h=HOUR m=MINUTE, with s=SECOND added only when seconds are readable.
h=8 m=29
